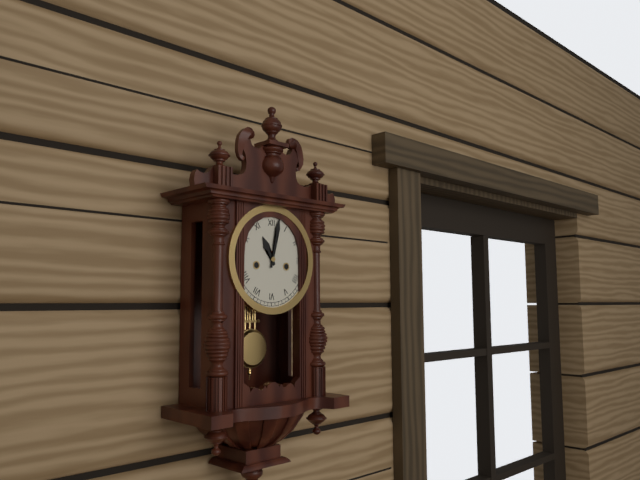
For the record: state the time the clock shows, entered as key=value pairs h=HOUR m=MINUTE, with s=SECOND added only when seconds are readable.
h=11 m=2
